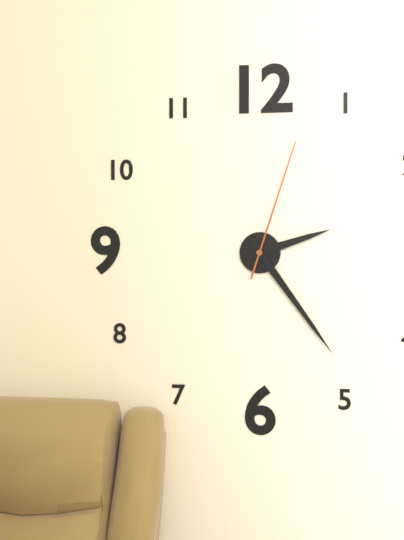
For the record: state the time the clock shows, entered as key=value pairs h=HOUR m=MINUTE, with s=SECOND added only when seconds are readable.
h=2 m=24 s=3
